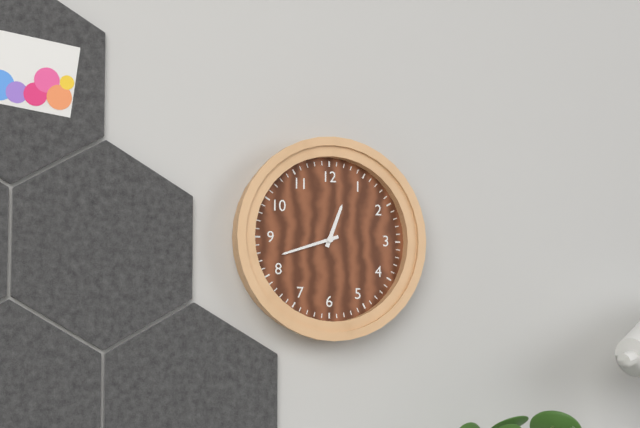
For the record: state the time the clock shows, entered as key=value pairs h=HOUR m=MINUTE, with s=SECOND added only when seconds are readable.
h=12 m=42
